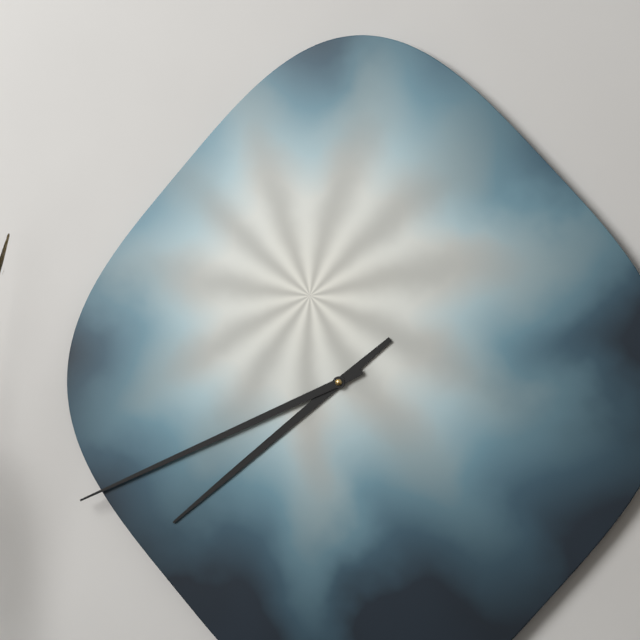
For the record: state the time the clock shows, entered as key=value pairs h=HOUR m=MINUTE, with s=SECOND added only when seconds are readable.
h=7 m=41
